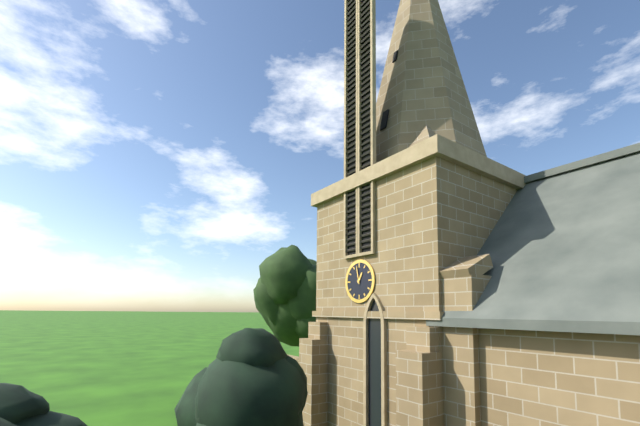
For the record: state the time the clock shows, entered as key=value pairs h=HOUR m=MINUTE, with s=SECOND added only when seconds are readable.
h=12 m=58
